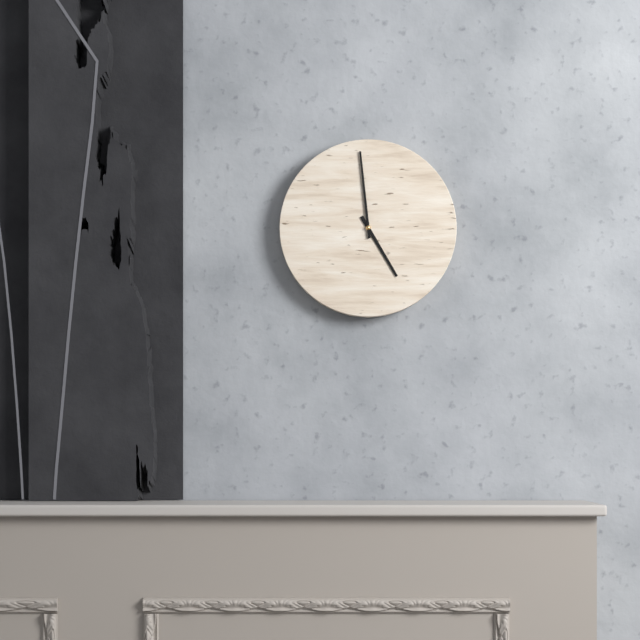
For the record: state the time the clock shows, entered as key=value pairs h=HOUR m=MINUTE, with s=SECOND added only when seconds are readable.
h=4 m=59
